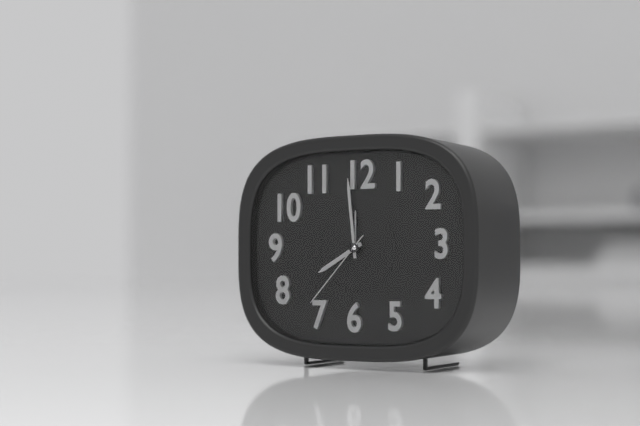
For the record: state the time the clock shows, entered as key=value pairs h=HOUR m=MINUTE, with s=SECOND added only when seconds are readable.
h=7 m=59 s=37
